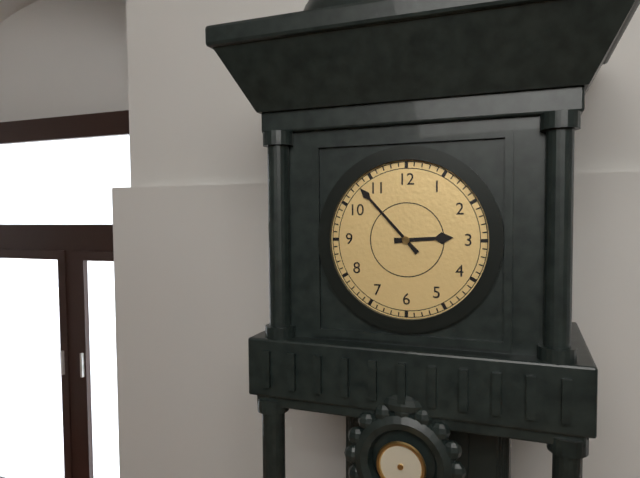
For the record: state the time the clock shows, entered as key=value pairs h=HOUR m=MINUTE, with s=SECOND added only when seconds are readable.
h=2 m=53
